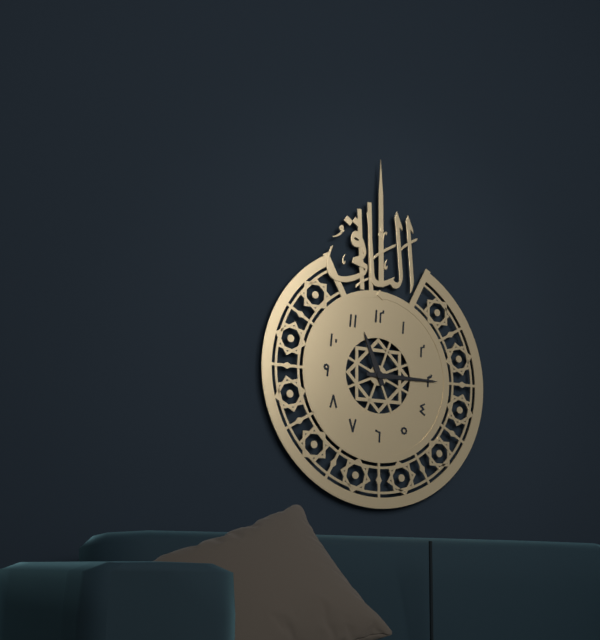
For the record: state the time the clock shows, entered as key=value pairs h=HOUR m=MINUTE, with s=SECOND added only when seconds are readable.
h=11 m=15
